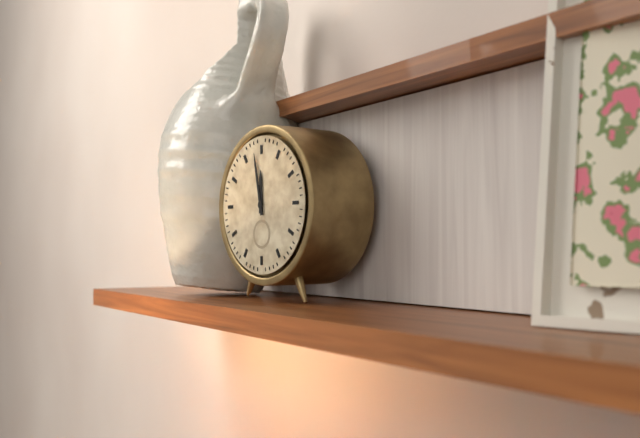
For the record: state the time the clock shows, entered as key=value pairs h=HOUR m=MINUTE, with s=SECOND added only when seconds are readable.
h=11 m=58
